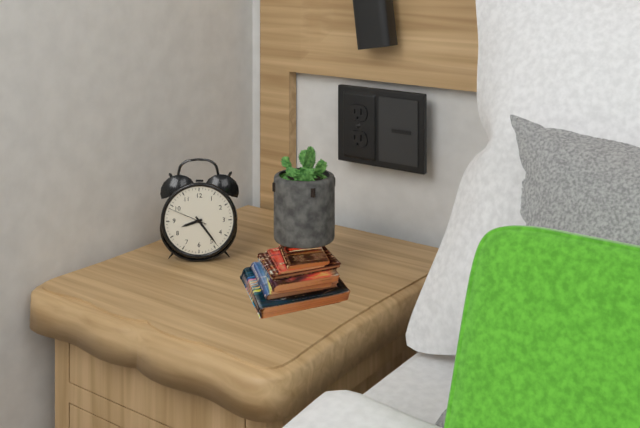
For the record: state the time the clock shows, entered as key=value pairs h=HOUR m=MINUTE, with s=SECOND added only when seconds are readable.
h=8 m=24
